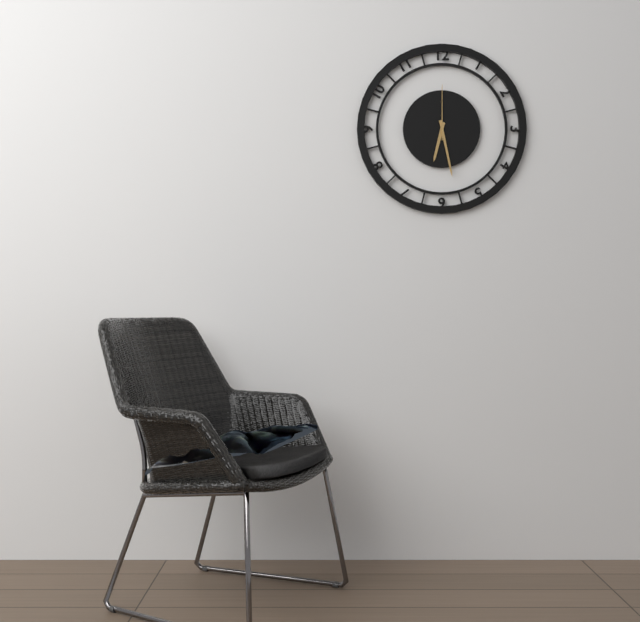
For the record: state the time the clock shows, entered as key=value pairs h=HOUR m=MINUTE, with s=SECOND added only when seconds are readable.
h=6 m=28 s=0
